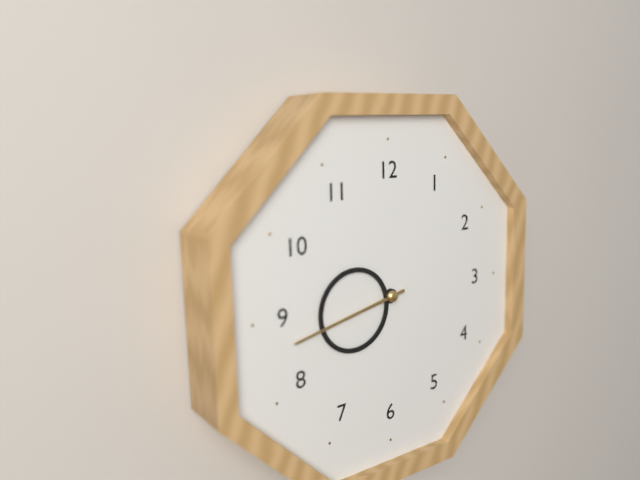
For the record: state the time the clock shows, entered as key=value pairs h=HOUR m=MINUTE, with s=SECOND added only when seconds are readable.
h=8 m=43
